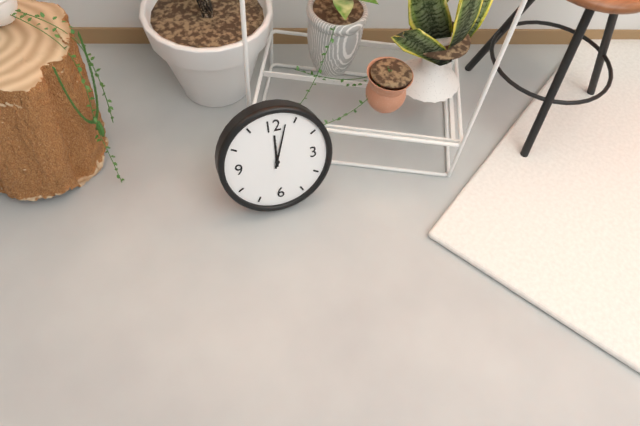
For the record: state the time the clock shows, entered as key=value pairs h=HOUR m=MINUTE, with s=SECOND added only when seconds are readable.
h=12 m=3
